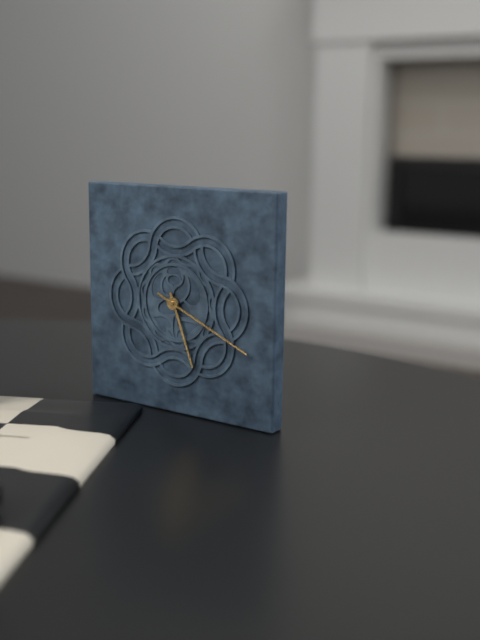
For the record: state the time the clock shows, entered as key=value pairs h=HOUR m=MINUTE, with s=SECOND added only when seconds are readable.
h=5 m=19
